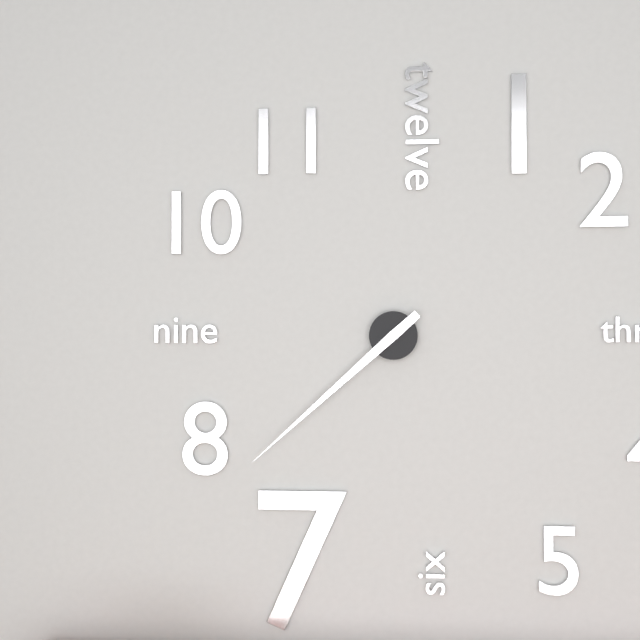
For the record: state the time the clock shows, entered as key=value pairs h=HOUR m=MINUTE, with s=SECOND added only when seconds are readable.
h=7 m=38
